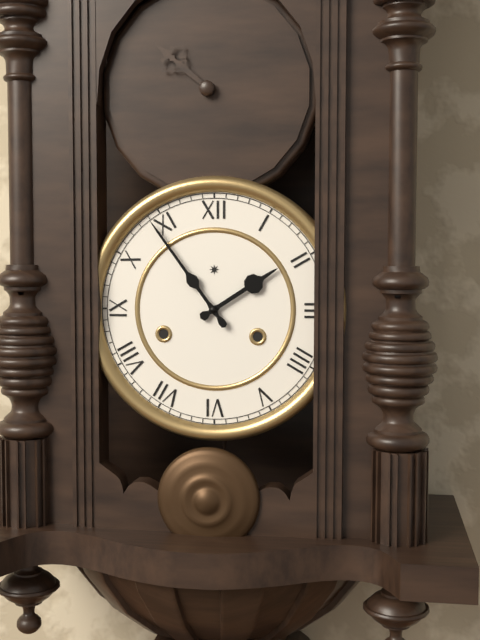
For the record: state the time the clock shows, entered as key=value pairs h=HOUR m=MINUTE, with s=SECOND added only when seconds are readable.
h=1 m=54
